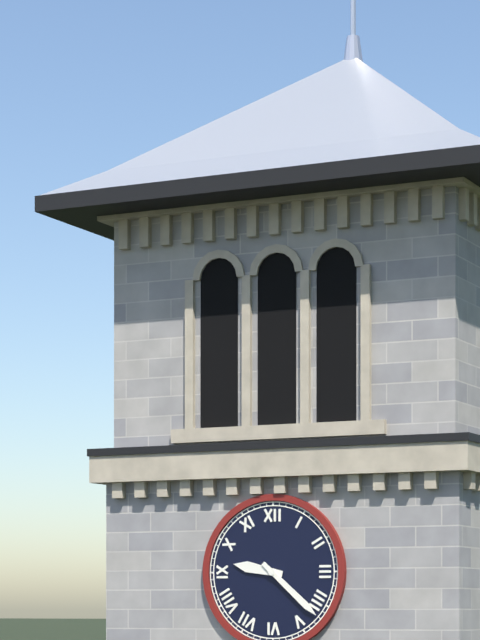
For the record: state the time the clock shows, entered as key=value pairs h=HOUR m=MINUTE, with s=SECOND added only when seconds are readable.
h=9 m=22
